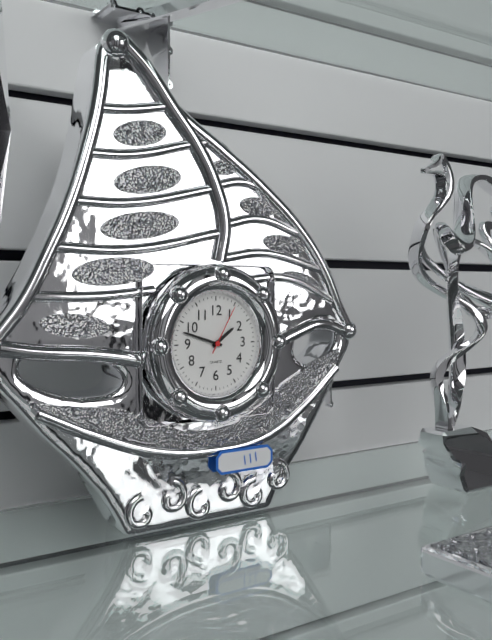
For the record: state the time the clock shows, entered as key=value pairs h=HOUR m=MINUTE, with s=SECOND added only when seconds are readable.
h=1 m=48 s=5
